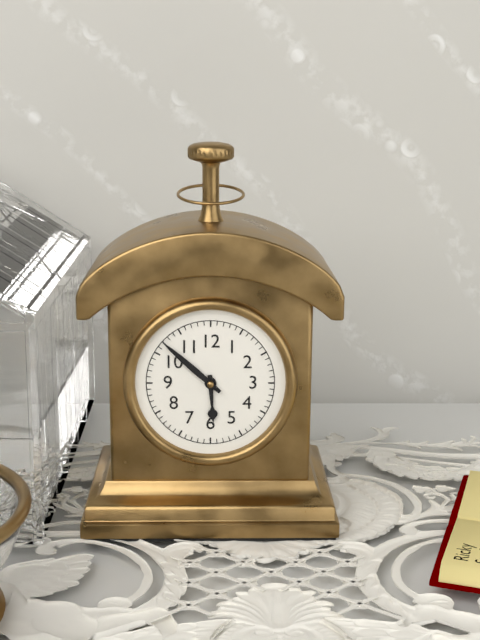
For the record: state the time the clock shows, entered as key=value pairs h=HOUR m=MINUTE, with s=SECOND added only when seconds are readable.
h=5 m=52
